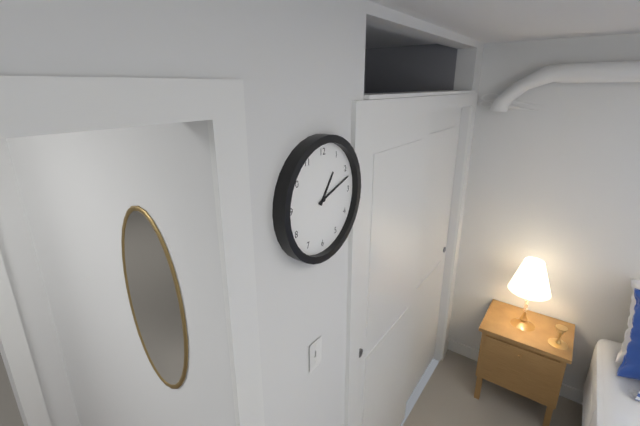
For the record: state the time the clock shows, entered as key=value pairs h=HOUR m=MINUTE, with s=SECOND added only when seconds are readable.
h=1 m=12
